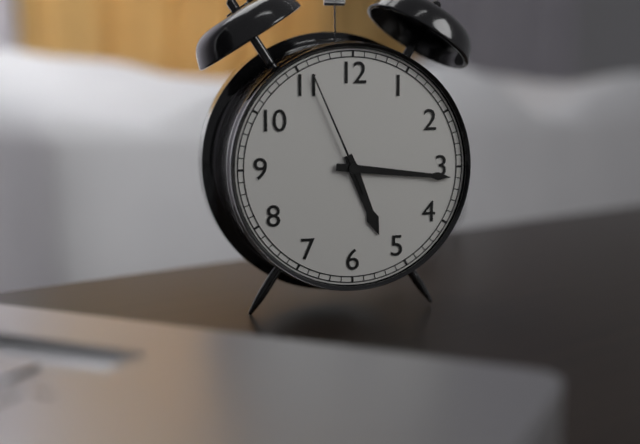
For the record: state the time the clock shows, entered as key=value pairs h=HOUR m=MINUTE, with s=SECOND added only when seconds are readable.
h=5 m=16 s=56
